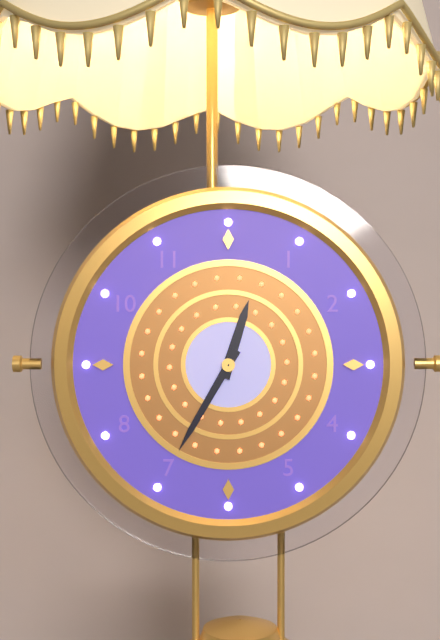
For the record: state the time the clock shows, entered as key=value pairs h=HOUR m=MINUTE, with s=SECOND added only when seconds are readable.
h=12 m=35
